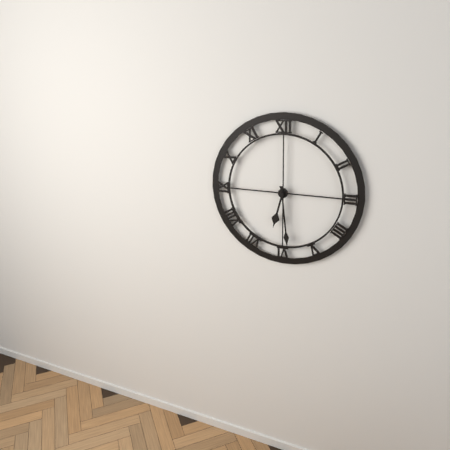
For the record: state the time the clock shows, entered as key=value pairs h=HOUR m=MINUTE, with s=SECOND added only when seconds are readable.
h=6 m=29
